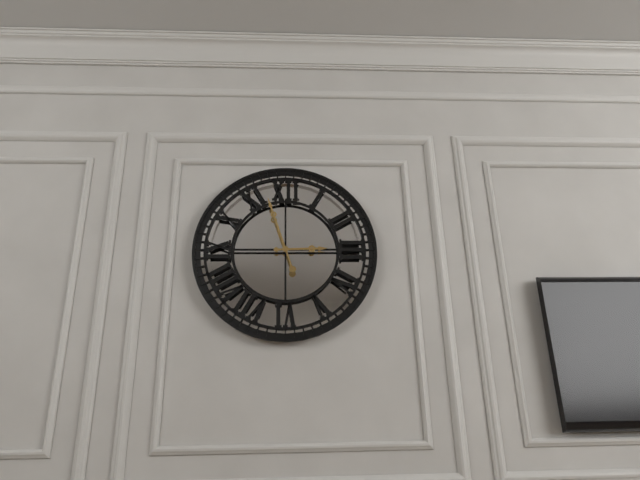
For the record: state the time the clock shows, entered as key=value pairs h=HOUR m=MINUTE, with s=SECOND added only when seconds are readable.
h=2 m=57
